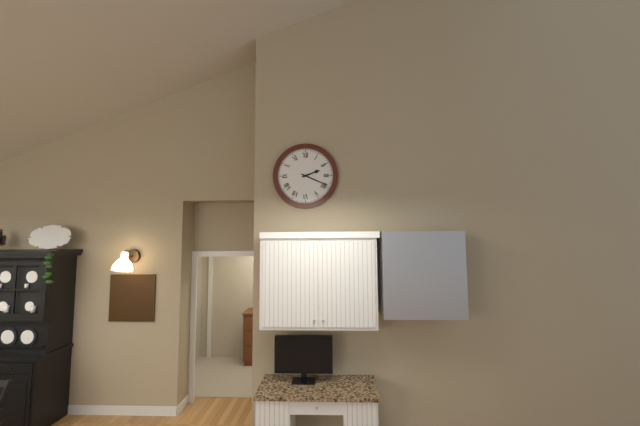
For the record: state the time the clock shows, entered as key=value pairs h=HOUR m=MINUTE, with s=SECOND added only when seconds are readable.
h=2 m=19
